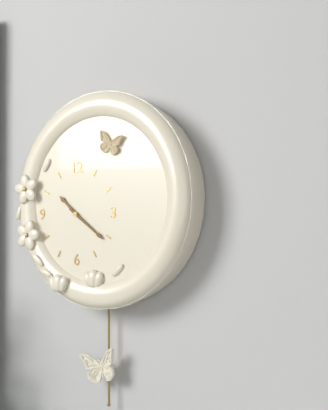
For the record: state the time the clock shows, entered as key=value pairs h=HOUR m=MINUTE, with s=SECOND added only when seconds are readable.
h=10 m=21
